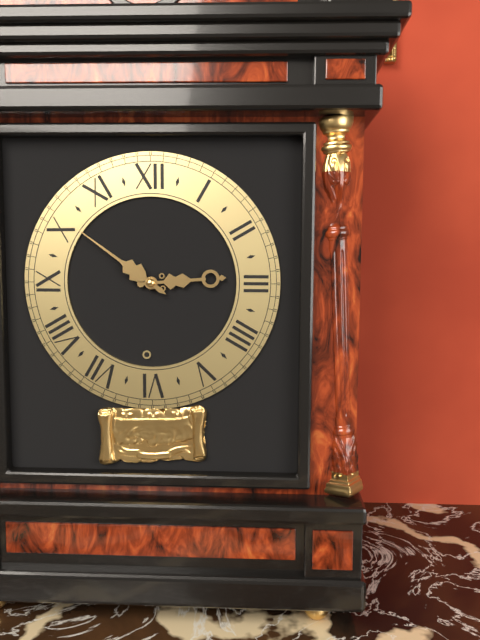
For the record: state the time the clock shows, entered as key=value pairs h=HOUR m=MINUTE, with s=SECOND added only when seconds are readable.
h=2 m=51
